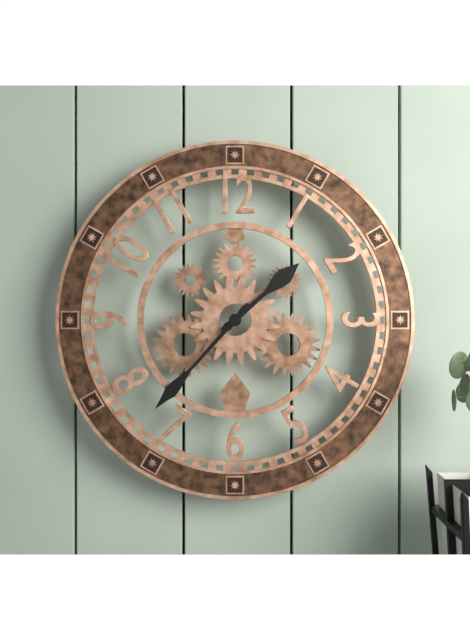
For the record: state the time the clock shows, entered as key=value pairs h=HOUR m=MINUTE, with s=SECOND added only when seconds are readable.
h=1 m=37
